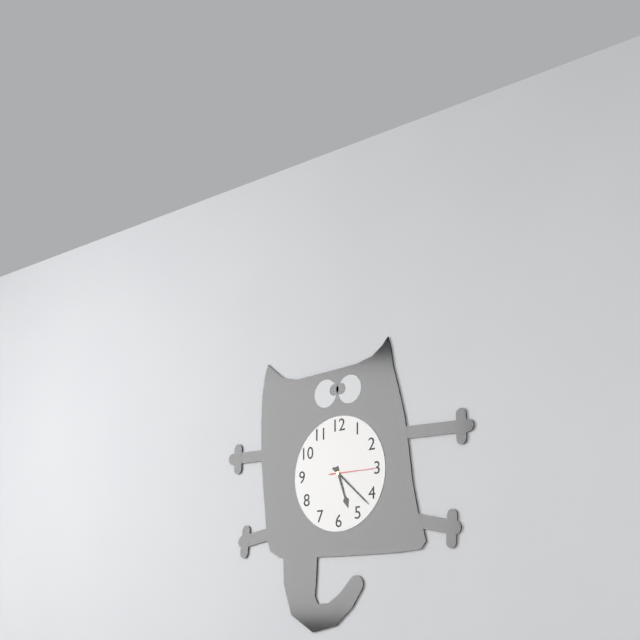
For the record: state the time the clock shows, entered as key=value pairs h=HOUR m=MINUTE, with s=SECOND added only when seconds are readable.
h=5 m=22
